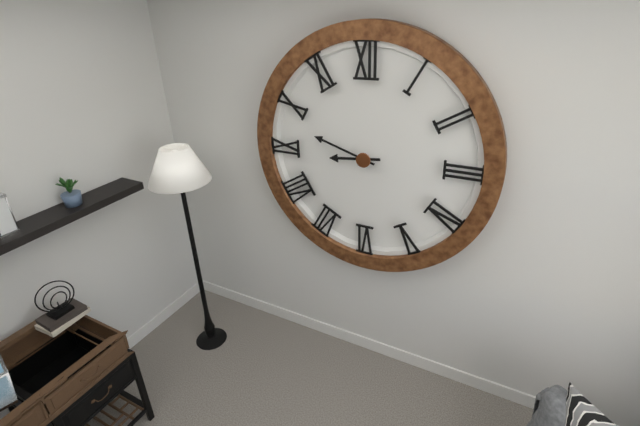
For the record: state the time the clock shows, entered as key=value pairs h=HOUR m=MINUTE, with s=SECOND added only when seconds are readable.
h=8 m=48
